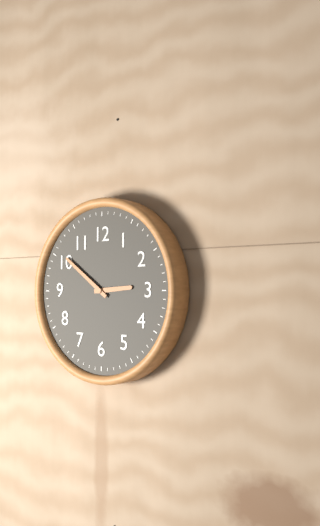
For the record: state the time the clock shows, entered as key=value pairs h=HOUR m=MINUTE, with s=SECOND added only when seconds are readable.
h=2 m=51
